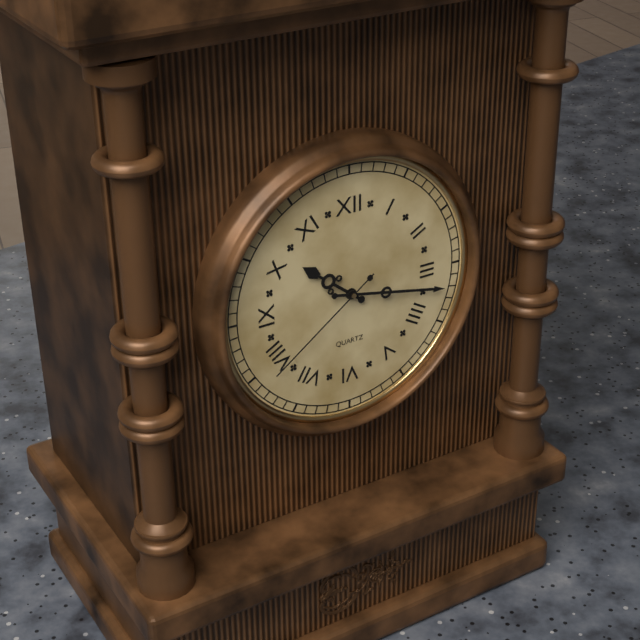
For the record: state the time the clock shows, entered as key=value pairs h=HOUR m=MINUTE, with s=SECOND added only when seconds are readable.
h=10 m=17 s=39
